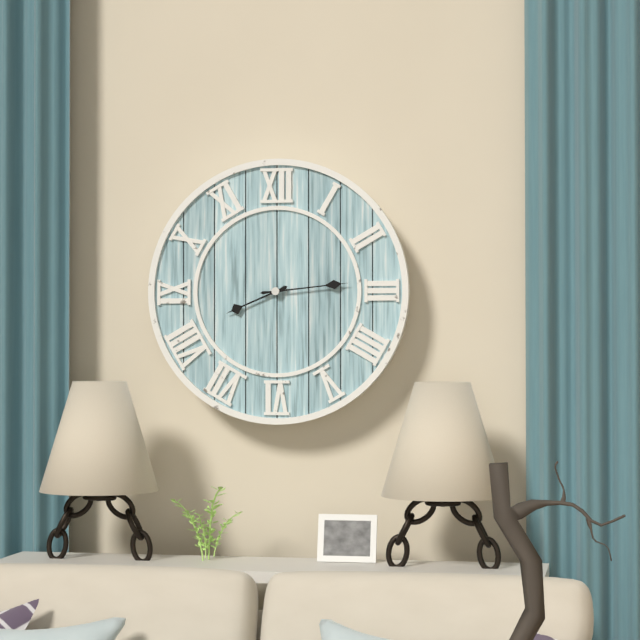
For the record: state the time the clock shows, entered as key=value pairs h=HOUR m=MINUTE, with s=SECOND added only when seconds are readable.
h=8 m=14
